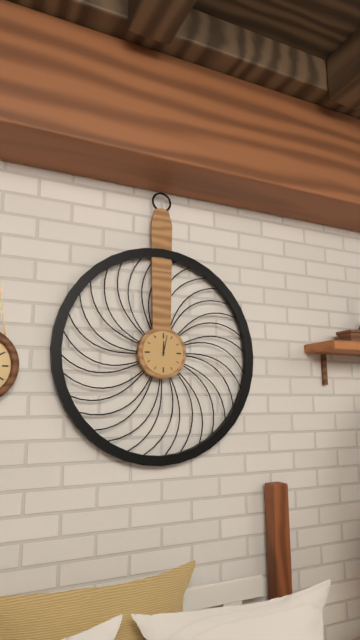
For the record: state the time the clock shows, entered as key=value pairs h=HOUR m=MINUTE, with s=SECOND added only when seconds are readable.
h=12 m=2
